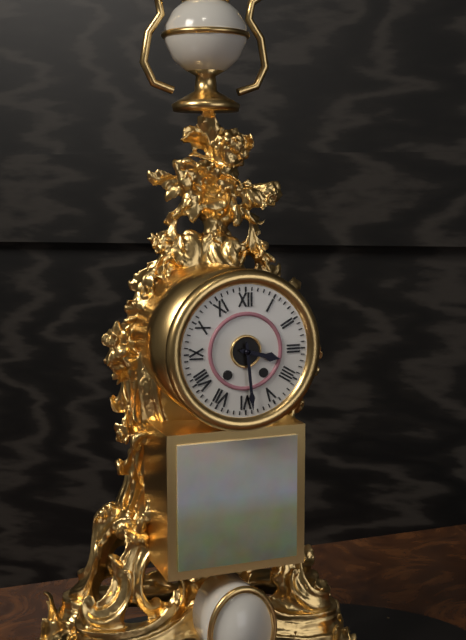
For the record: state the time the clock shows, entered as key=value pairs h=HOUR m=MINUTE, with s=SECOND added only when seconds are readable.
h=3 m=29
